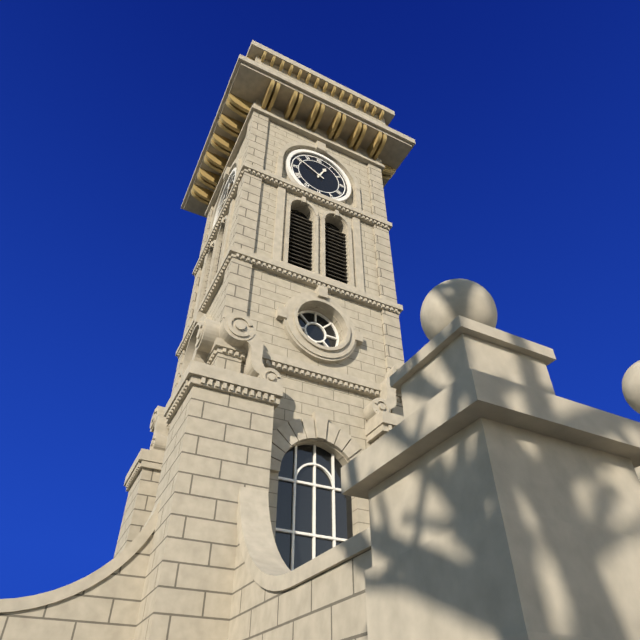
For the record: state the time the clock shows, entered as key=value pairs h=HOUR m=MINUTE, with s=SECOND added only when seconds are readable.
h=12 m=50
